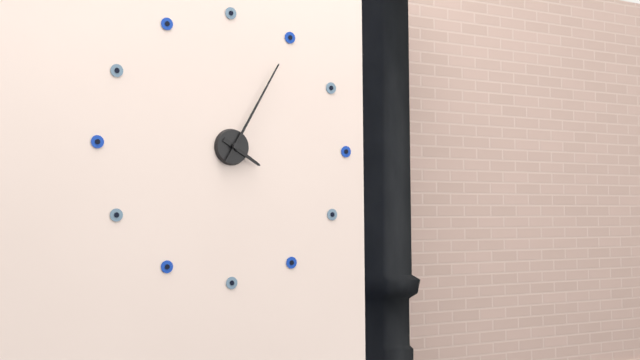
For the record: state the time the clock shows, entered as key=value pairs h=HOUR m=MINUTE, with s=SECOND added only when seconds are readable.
h=4 m=5
